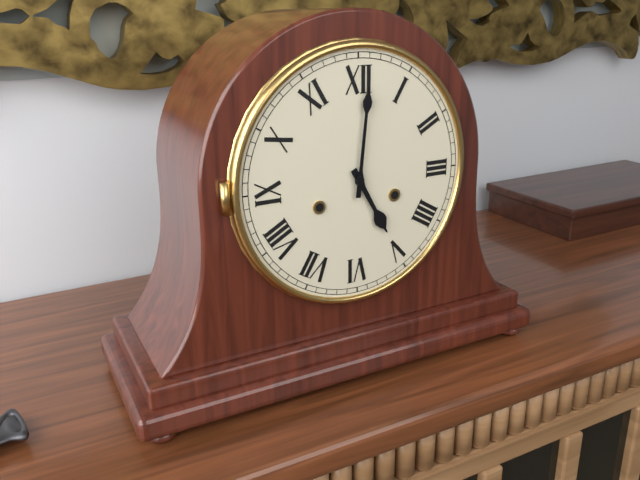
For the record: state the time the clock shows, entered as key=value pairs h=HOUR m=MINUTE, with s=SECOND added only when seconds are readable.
h=5 m=1
